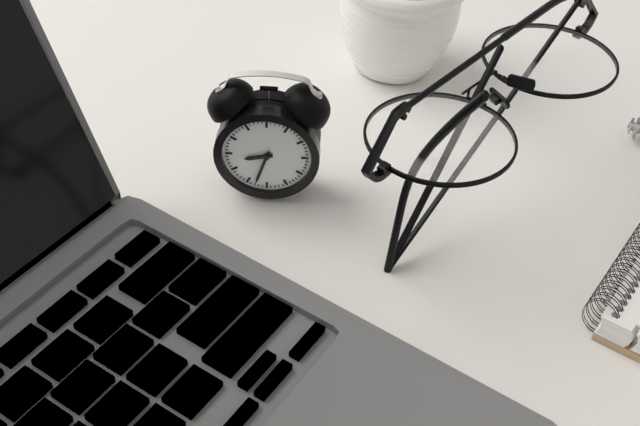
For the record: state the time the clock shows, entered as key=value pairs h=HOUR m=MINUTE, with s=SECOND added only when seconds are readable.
h=8 m=33
